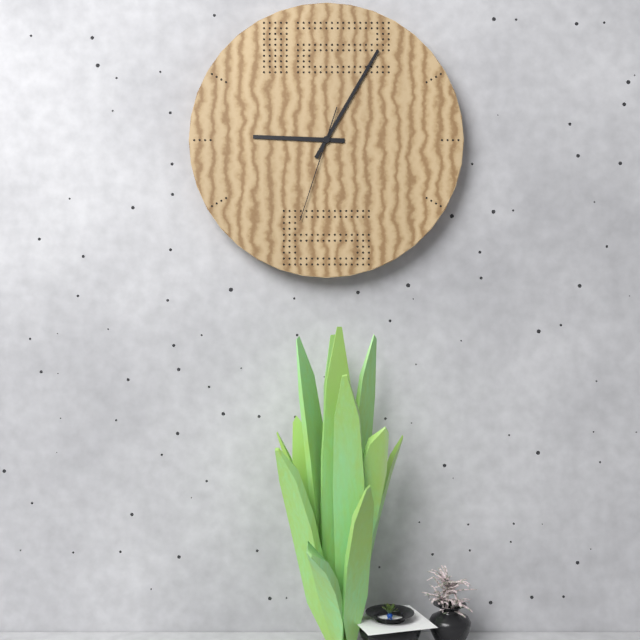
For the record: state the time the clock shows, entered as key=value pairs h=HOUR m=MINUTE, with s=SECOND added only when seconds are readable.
h=9 m=5 s=33
